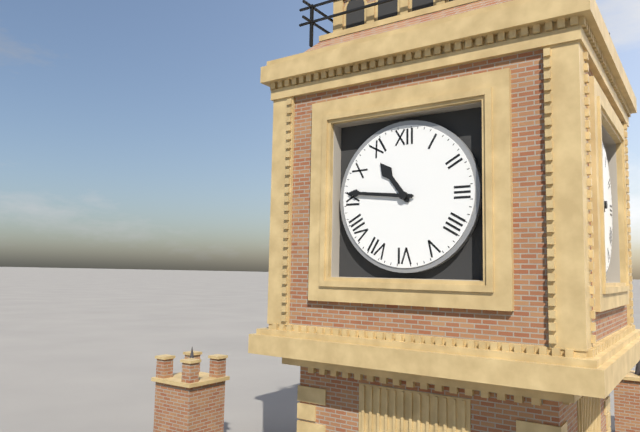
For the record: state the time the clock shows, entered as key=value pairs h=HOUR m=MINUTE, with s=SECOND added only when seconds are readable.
h=10 m=46
